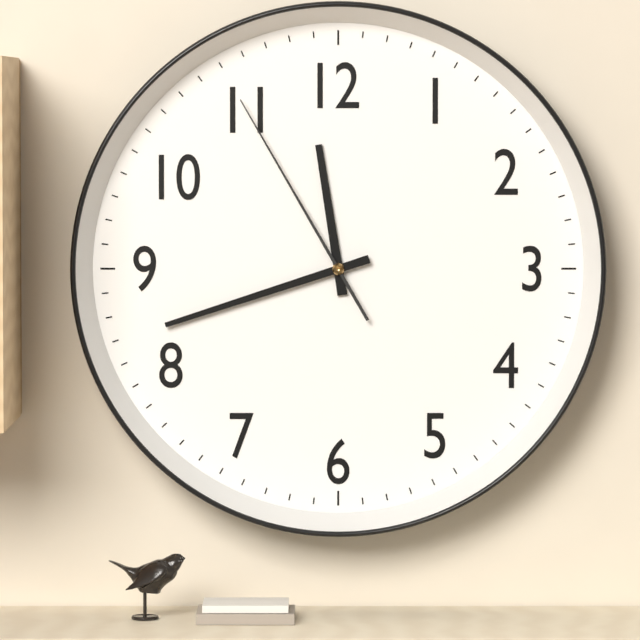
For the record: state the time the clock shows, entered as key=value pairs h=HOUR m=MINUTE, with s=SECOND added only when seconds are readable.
h=11 m=42 s=55
